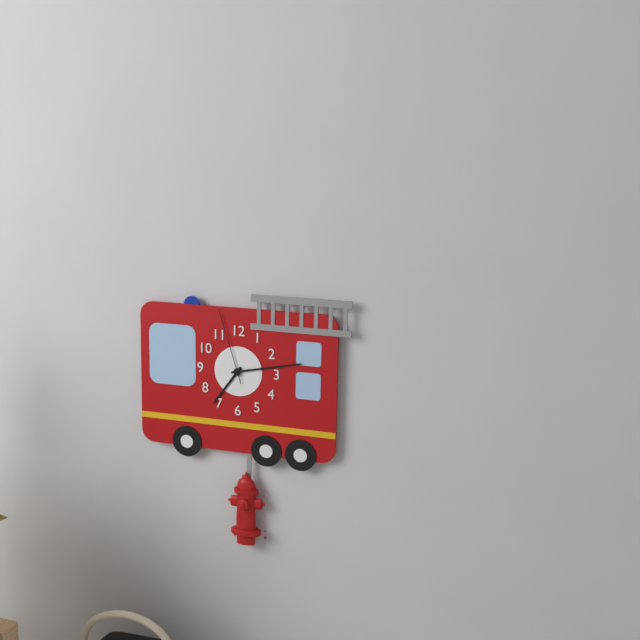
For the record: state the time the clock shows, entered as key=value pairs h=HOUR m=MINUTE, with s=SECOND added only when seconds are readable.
h=7 m=13 s=57
